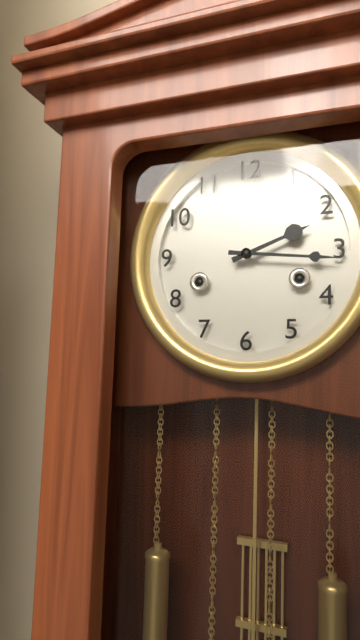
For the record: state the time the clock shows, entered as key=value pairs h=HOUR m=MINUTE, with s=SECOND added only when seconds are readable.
h=2 m=16
